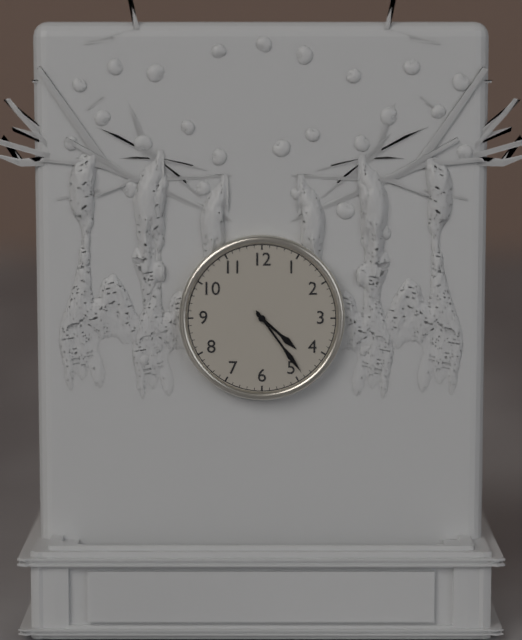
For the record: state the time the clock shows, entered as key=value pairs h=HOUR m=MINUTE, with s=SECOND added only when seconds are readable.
h=4 m=24
